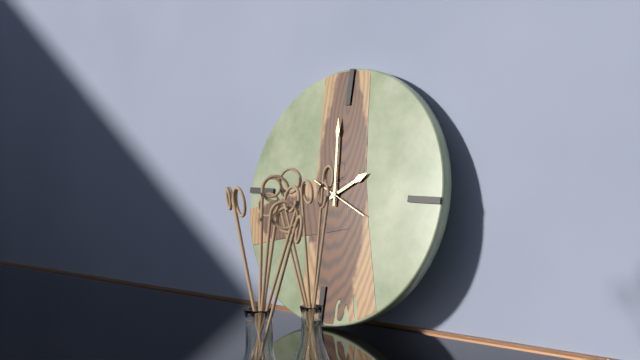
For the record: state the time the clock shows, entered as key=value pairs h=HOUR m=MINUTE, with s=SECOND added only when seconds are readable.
h=1 m=59
